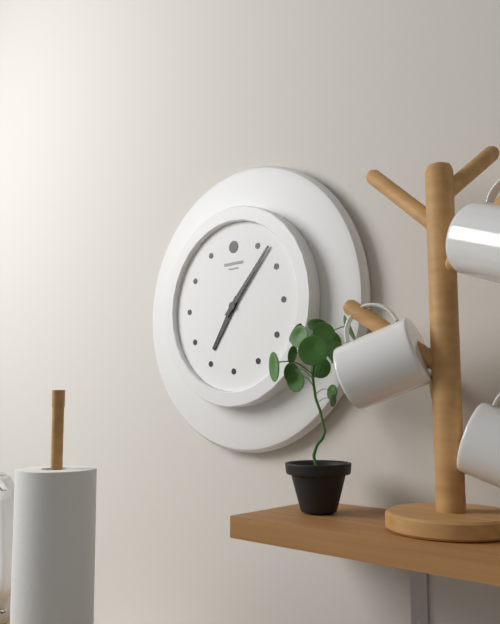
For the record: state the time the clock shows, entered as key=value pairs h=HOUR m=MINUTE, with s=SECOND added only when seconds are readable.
h=7 m=7
